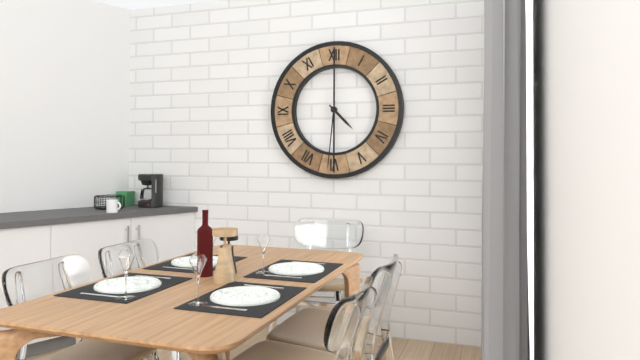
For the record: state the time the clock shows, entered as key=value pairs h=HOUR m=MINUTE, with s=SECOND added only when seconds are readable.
h=4 m=31
